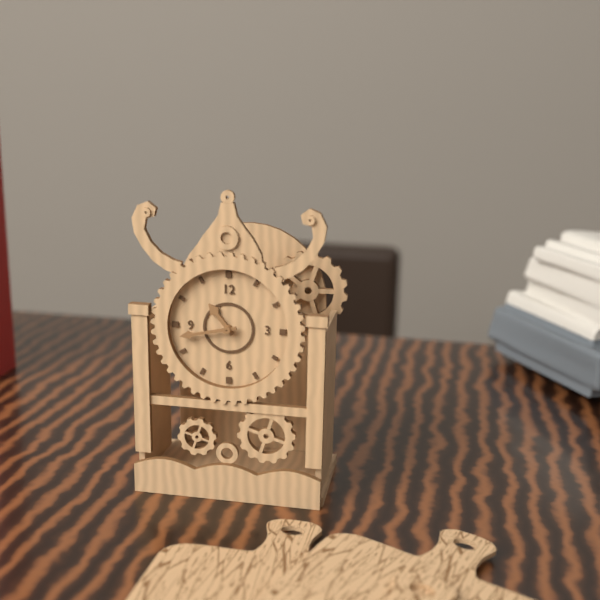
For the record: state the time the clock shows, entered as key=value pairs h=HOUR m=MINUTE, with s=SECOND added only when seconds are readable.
h=10 m=43
